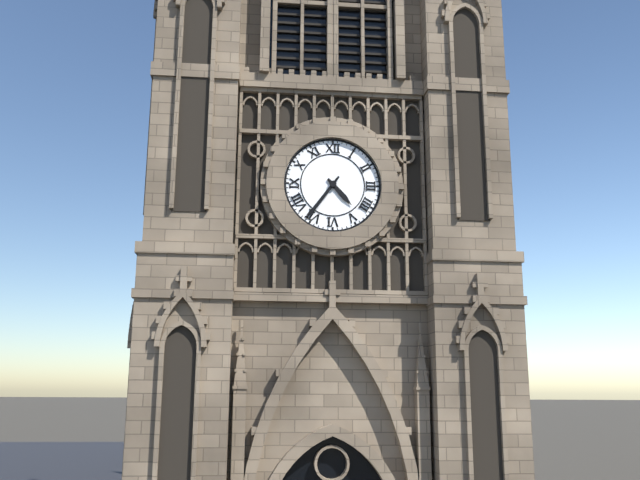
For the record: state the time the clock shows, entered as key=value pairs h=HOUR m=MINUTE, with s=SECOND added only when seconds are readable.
h=4 m=36
